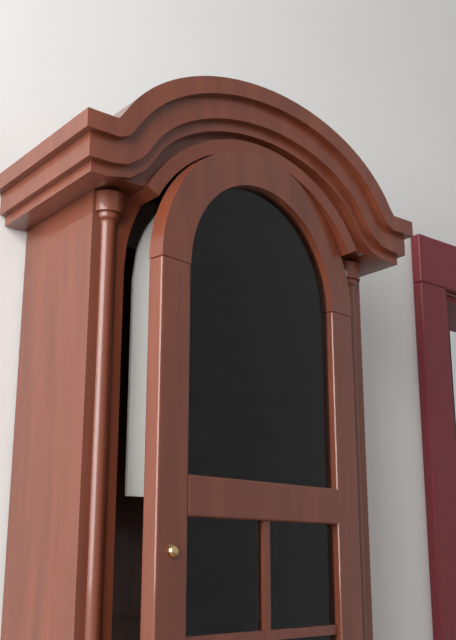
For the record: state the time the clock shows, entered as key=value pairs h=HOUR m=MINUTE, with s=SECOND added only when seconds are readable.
h=1 m=57
